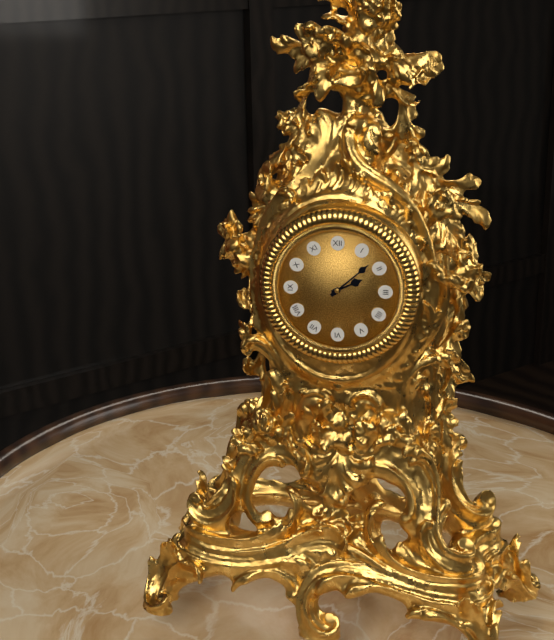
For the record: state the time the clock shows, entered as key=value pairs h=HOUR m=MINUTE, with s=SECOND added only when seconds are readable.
h=2 m=8
